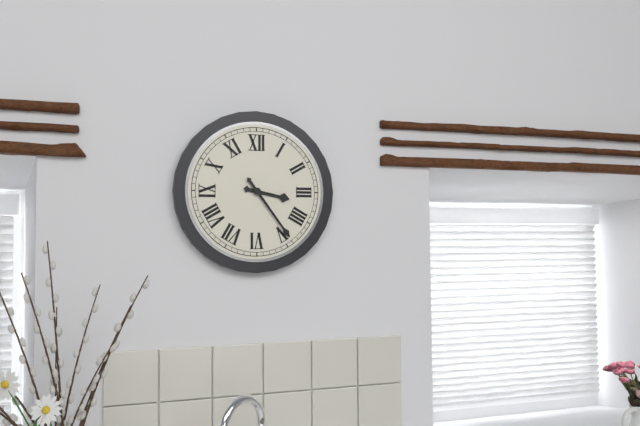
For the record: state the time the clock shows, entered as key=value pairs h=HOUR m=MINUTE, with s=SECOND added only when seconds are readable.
h=3 m=24
